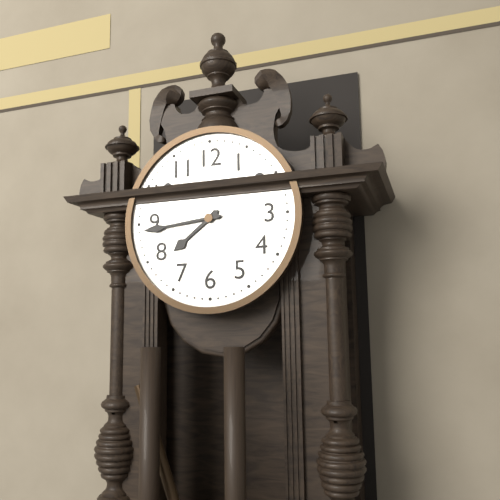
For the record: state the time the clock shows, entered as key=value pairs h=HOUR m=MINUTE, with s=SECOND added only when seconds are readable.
h=7 m=44
